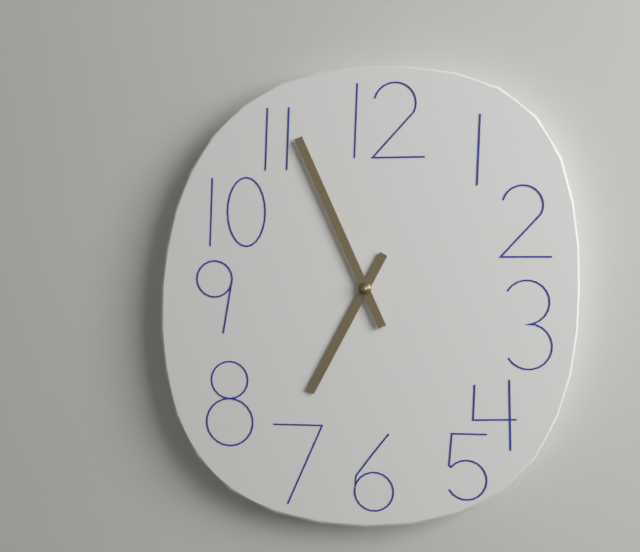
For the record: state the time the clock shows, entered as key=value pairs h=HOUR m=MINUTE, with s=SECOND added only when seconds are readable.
h=6 m=56
